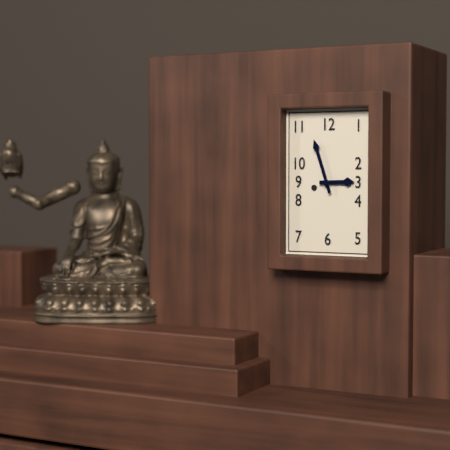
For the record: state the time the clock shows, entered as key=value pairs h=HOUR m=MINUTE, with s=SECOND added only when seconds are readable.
h=2 m=57
